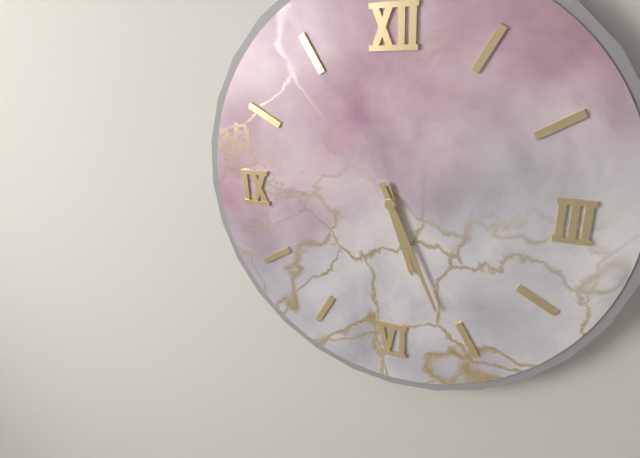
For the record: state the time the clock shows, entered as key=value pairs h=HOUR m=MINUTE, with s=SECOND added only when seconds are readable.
h=5 m=26
